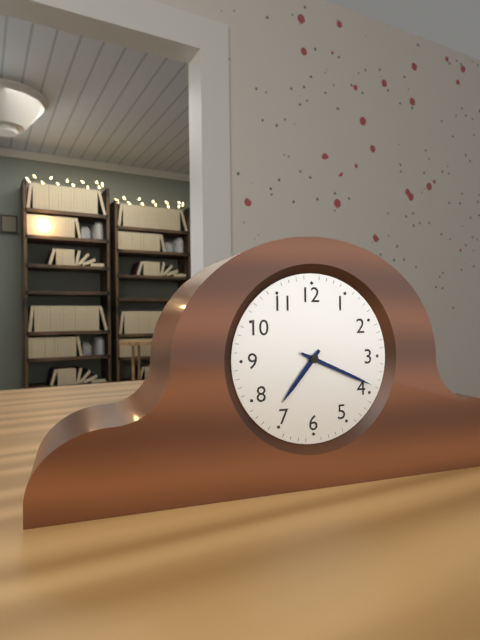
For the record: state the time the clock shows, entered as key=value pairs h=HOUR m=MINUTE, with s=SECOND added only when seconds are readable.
h=7 m=19
